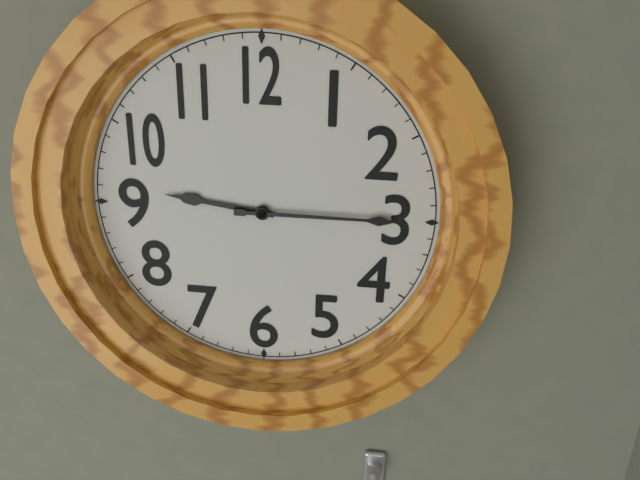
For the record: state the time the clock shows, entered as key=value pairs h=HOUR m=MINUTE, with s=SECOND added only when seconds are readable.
h=9 m=15
